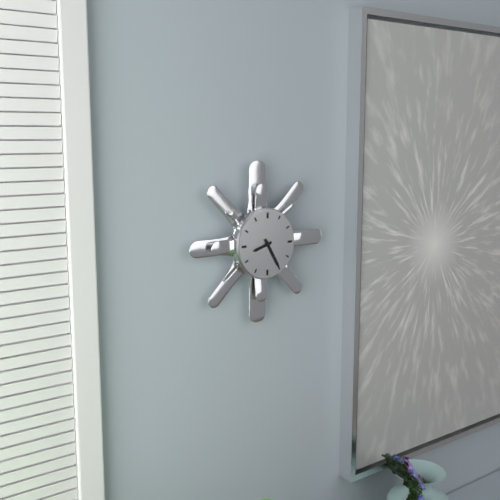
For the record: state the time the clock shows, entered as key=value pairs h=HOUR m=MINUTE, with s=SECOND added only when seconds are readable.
h=8 m=25
